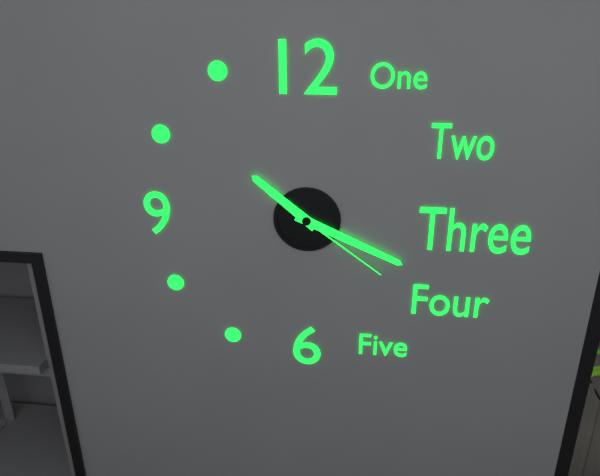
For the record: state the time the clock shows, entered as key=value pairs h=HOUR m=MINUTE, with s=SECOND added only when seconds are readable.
h=10 m=19 s=21
